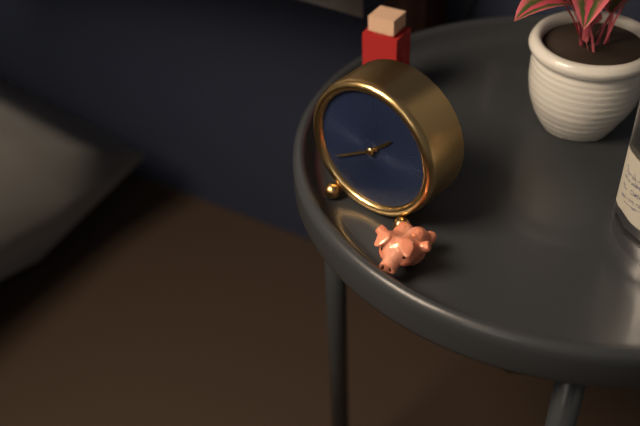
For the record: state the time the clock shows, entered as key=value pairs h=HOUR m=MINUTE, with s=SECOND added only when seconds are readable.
h=1 m=40
